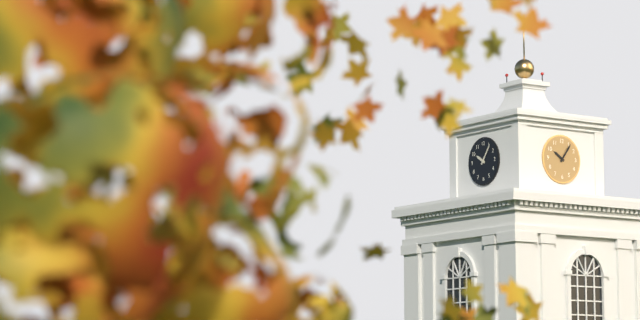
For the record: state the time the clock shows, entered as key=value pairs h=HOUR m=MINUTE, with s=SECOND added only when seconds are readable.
h=10 m=6
